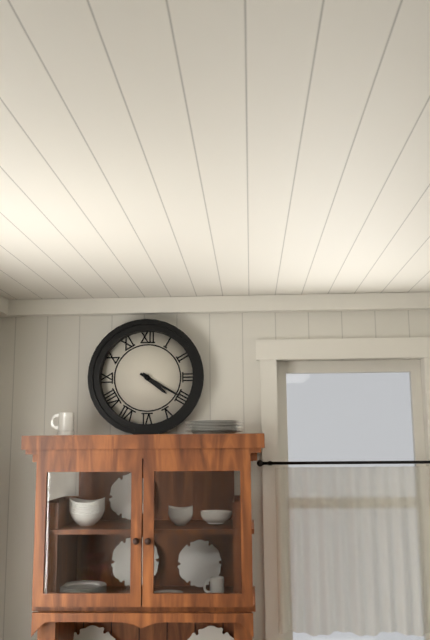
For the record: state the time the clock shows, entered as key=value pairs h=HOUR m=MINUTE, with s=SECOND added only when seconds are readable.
h=4 m=20
